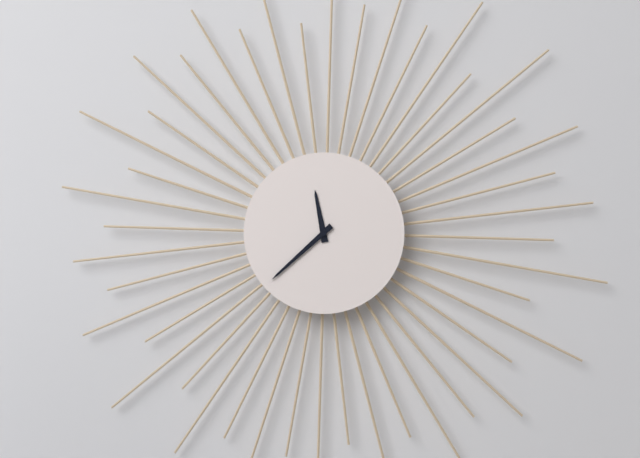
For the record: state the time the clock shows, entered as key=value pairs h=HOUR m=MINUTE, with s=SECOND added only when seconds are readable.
h=11 m=38
